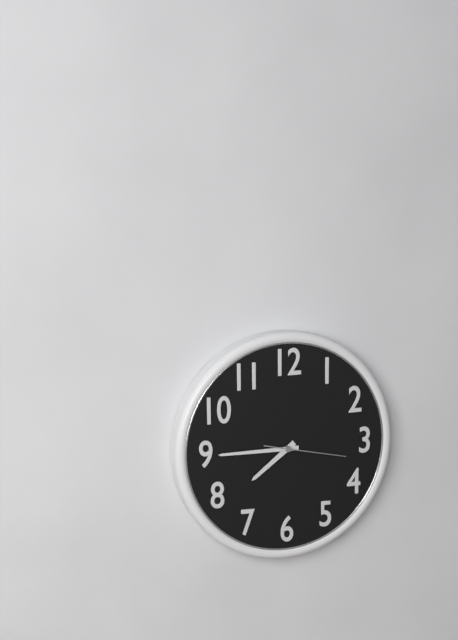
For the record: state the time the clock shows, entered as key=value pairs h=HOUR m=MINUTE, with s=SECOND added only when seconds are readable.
h=7 m=45 s=17
